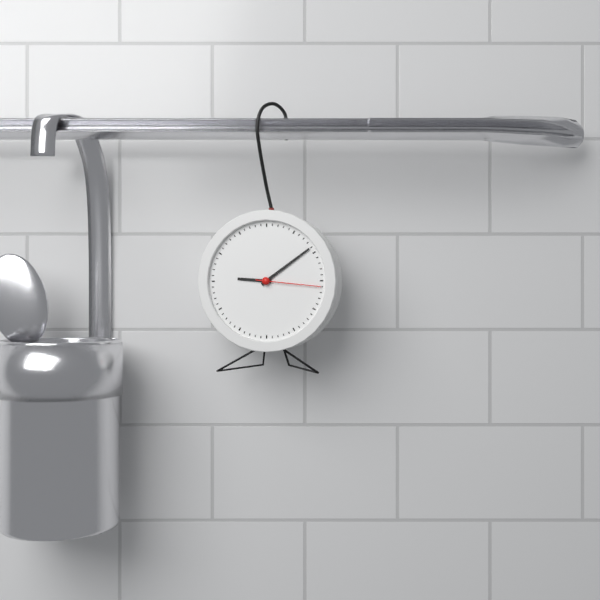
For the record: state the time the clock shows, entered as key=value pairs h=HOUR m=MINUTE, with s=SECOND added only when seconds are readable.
h=9 m=9 s=16
